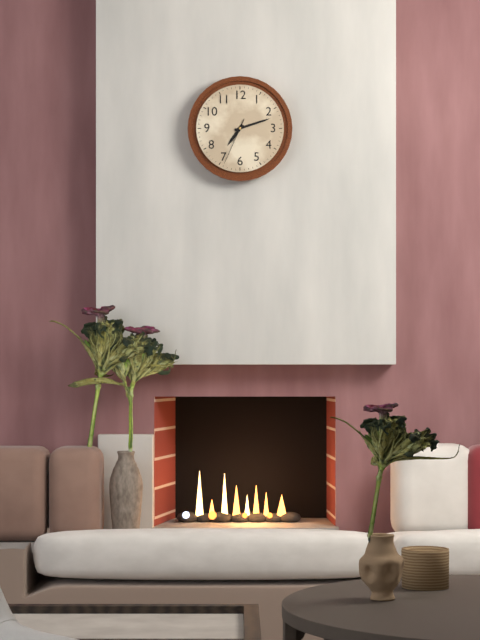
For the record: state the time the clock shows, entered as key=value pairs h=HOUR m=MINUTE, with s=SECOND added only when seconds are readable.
h=7 m=12
